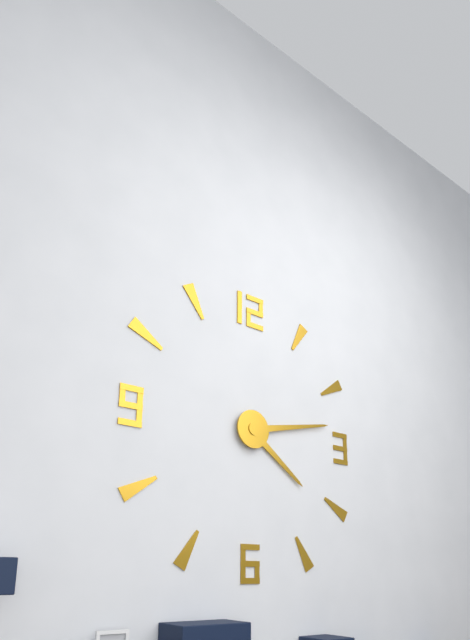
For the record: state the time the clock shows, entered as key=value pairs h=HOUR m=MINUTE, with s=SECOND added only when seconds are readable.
h=4 m=13
